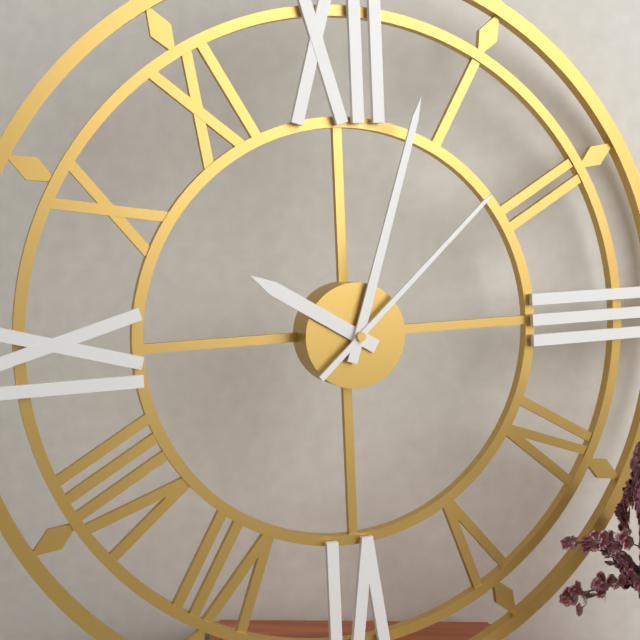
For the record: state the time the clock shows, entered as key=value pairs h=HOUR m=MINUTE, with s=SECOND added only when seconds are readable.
h=10 m=3 s=8
